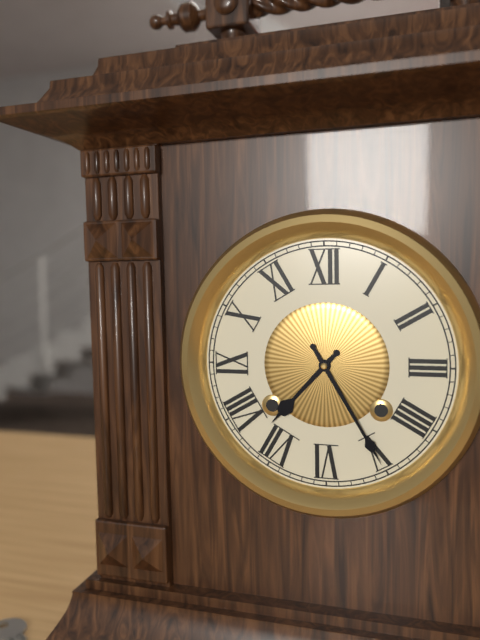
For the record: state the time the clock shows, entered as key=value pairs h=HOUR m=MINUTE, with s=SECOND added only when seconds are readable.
h=7 m=25
